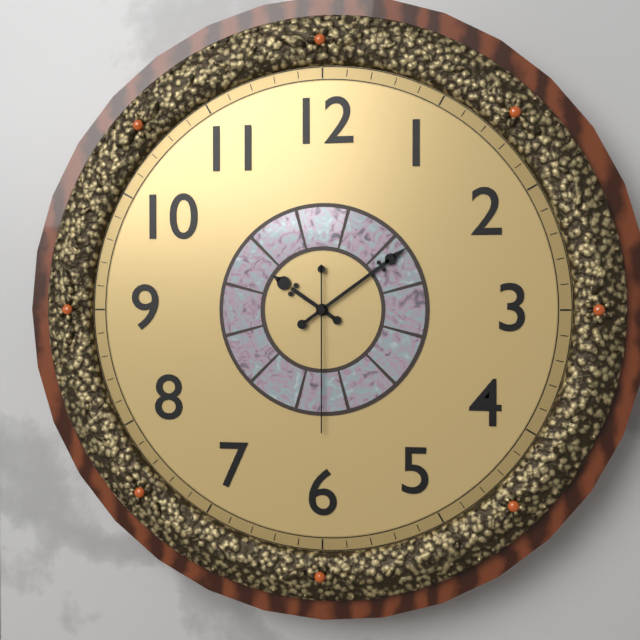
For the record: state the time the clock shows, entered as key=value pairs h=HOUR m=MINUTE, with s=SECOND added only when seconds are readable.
h=10 m=9 s=30
